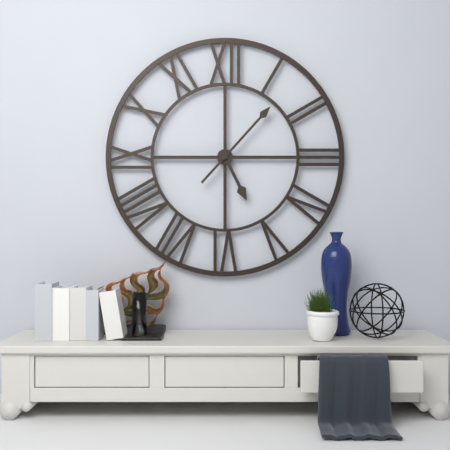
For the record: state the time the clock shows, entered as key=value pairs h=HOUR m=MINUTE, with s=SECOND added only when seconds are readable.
h=5 m=7
